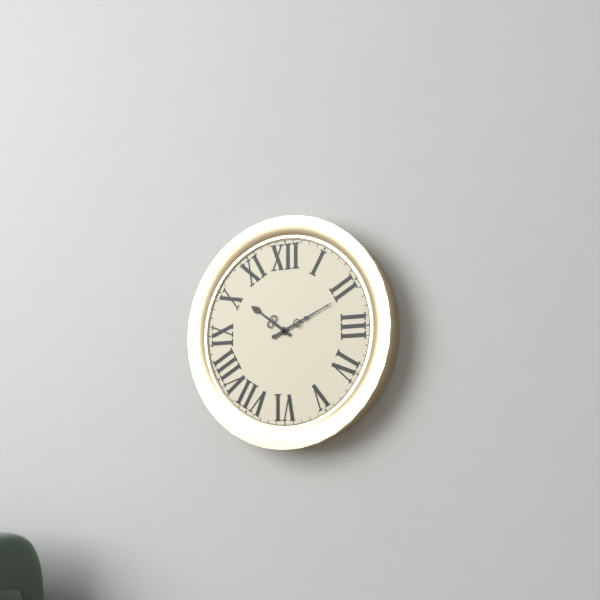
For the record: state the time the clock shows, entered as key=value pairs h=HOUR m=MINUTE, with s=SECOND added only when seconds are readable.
h=10 m=11
